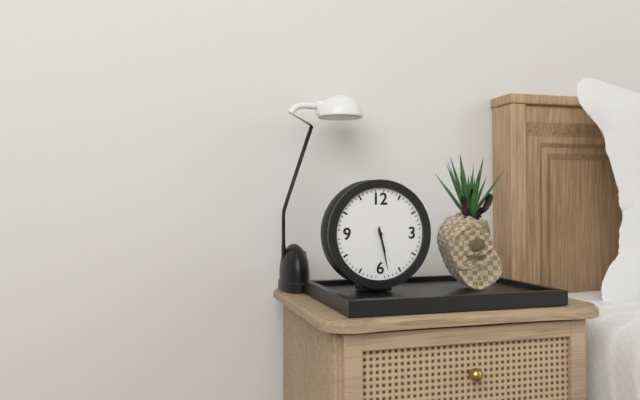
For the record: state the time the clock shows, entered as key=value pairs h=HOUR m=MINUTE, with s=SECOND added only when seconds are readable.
h=5 m=28
